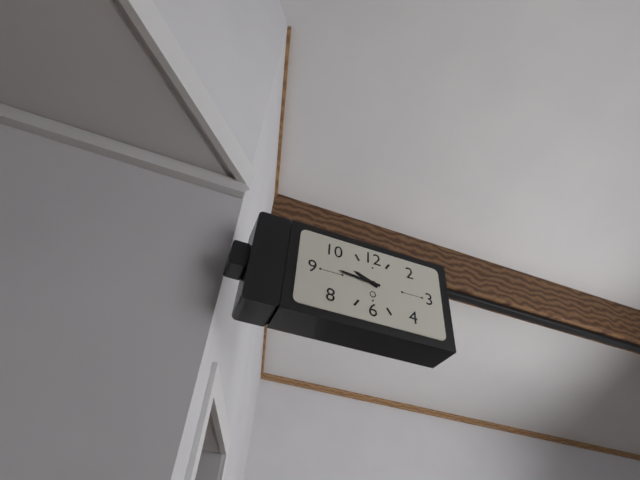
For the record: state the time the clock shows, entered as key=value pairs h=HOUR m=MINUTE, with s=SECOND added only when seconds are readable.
h=9 m=46
